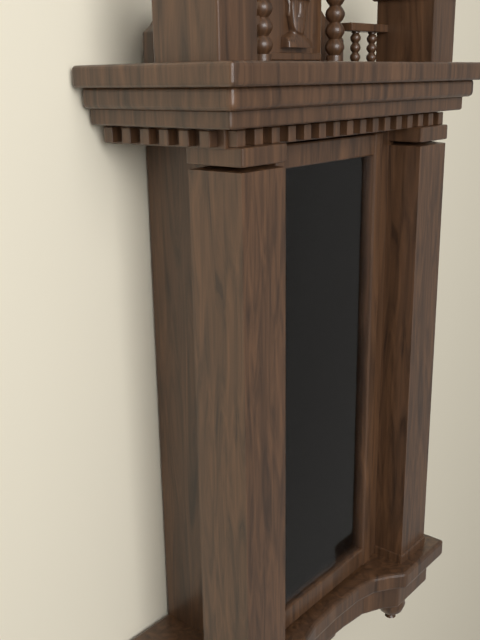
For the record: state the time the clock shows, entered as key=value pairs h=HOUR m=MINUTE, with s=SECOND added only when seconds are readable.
h=2 m=6
